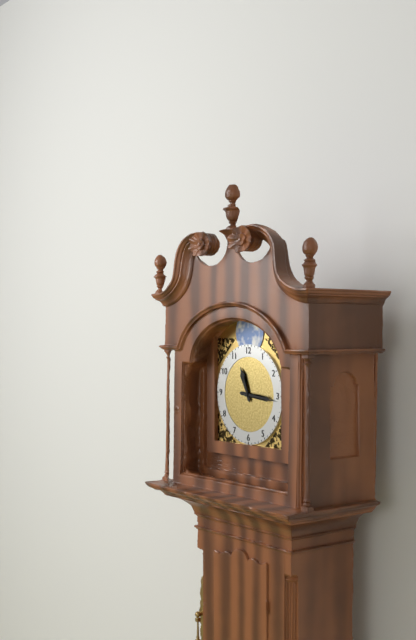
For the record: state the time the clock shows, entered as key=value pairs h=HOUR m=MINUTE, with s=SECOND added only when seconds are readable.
h=11 m=16
